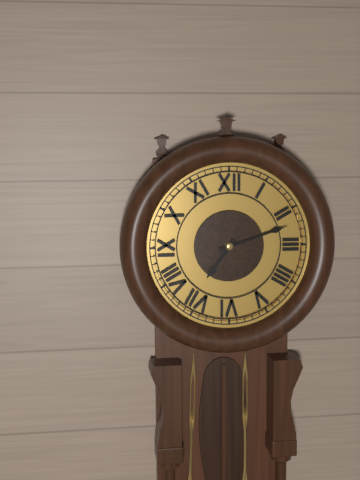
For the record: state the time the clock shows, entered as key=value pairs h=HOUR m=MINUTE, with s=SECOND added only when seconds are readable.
h=7 m=12
